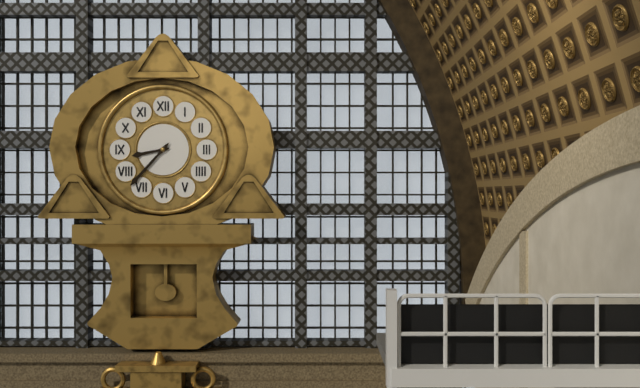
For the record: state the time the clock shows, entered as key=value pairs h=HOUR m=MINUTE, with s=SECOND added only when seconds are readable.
h=8 m=37
